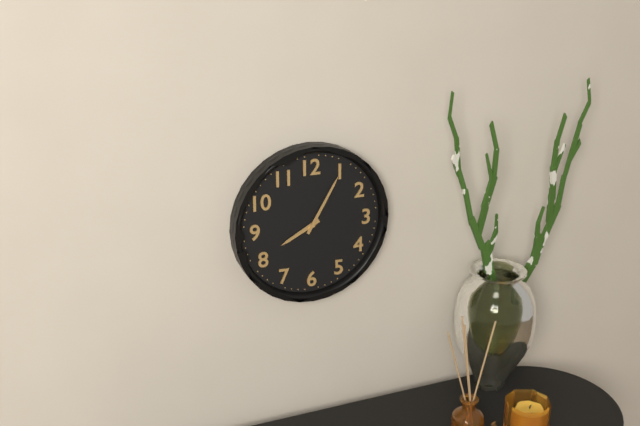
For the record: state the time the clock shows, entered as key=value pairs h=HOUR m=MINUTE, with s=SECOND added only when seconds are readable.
h=8 m=5
